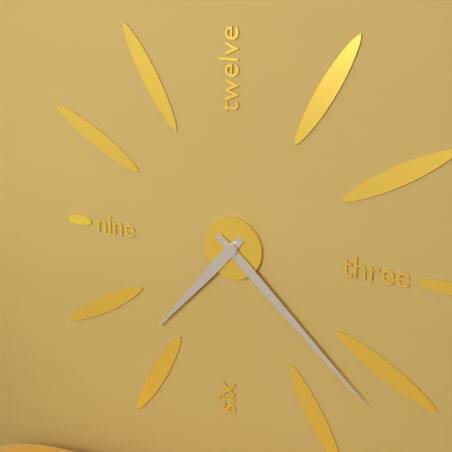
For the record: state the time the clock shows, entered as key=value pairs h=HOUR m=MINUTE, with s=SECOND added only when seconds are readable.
h=7 m=22
